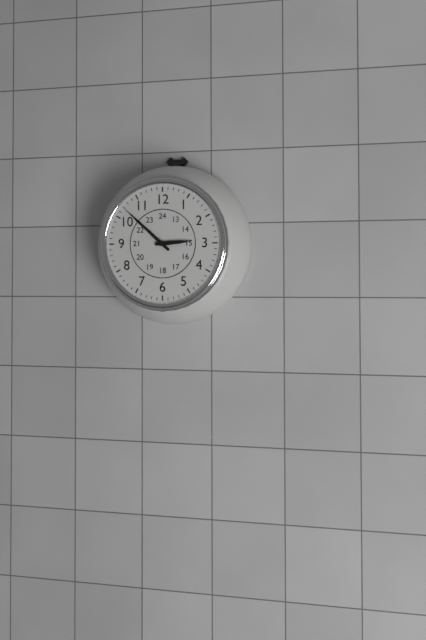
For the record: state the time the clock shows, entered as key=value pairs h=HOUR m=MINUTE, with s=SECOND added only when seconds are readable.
h=2 m=52
